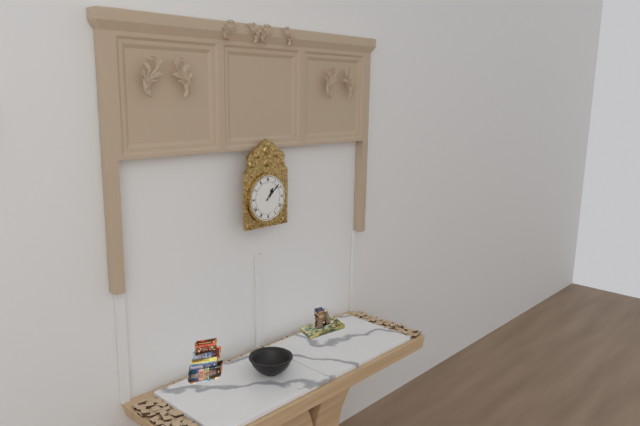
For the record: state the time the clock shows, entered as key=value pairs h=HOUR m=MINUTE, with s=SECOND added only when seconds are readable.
h=1 m=8
